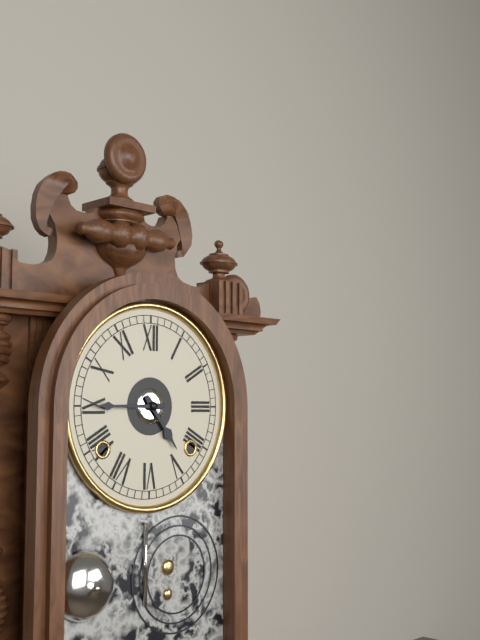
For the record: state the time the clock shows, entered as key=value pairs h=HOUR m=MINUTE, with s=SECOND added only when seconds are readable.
h=4 m=45
